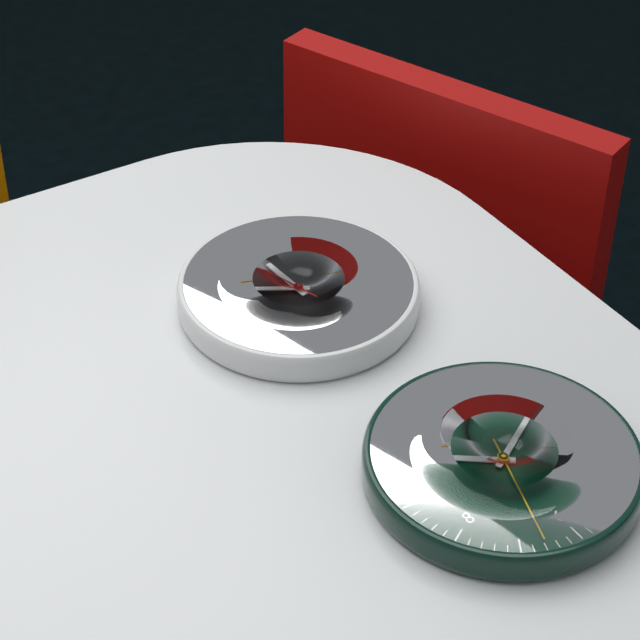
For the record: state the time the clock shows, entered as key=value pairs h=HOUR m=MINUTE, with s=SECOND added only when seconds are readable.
h=11 m=50 s=57
